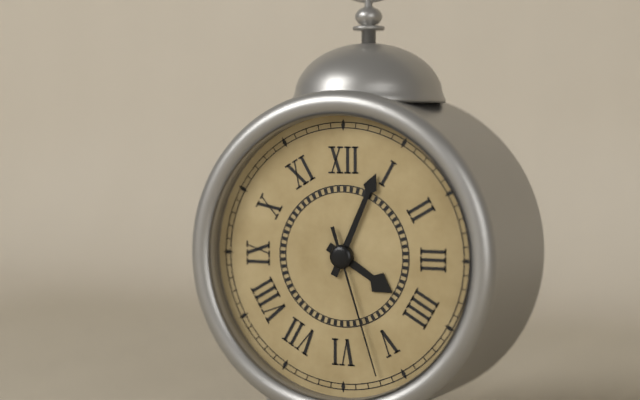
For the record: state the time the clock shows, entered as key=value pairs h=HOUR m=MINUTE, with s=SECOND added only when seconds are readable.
h=4 m=4 s=27
